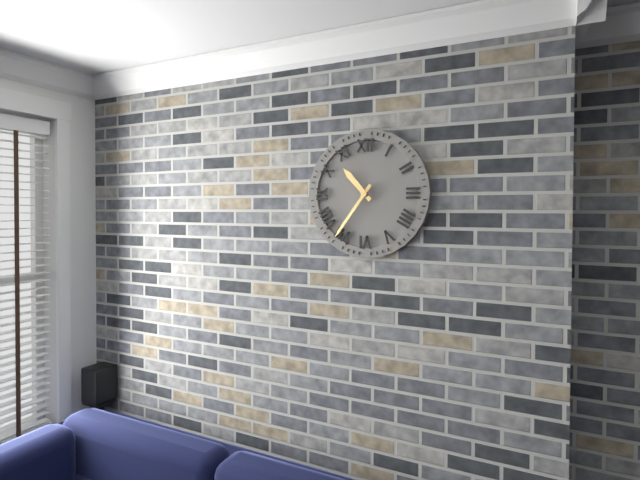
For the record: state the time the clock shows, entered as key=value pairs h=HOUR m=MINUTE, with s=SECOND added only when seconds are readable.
h=10 m=36
